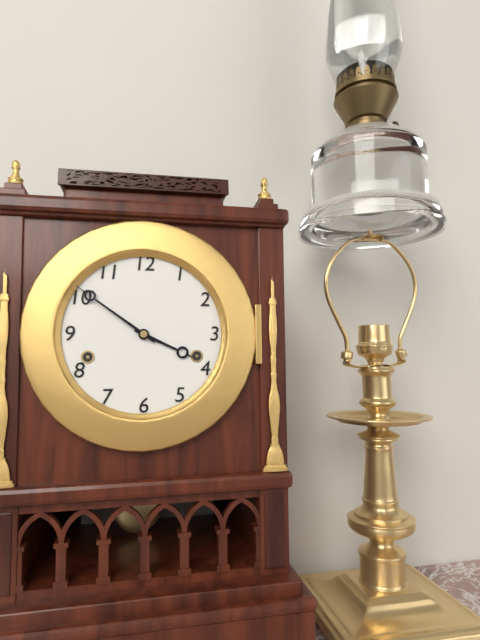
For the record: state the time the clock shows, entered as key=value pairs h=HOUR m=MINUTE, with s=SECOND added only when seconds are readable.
h=3 m=51
